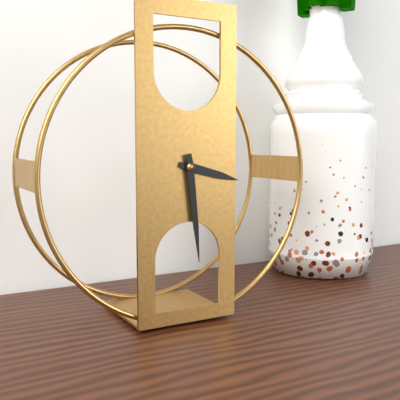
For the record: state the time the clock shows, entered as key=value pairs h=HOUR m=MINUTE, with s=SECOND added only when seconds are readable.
h=3 m=29
